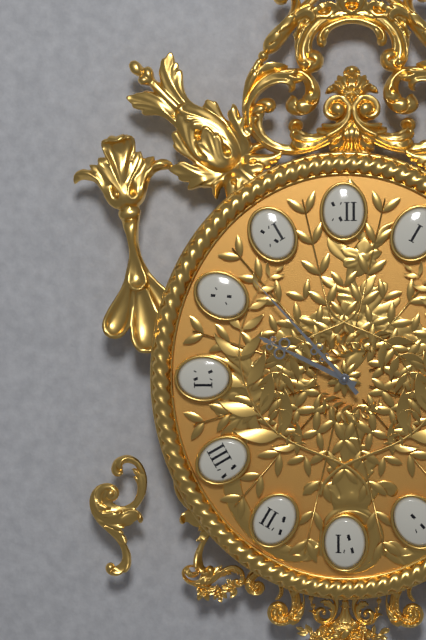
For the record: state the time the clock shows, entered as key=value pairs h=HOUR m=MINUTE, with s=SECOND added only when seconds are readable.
h=9 m=53
